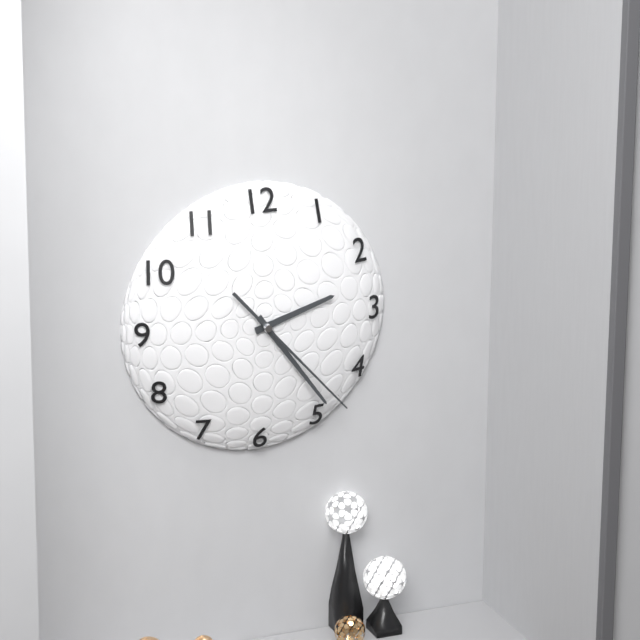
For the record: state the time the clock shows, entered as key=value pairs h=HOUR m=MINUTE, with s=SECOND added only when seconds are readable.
h=2 m=24 s=23
